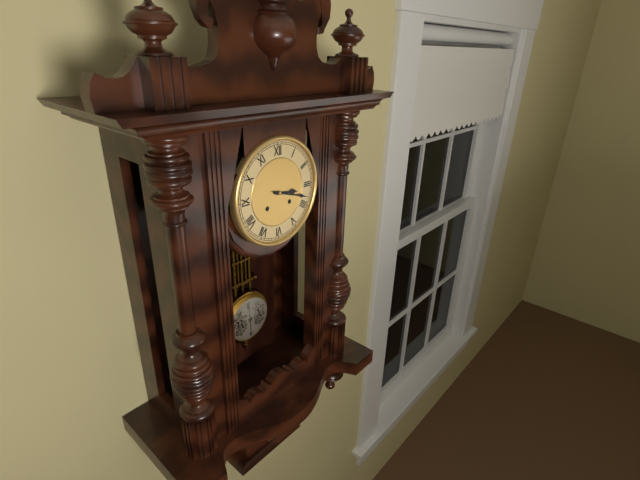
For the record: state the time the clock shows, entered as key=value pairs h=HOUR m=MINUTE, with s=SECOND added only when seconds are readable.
h=3 m=18
